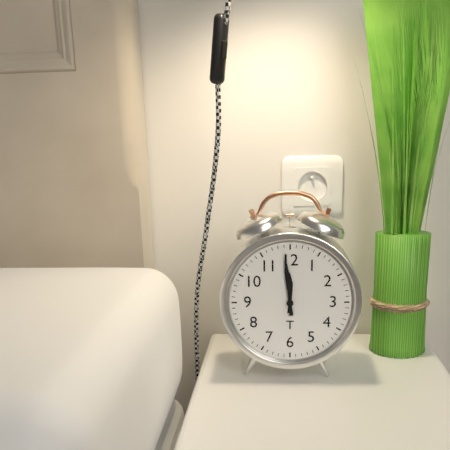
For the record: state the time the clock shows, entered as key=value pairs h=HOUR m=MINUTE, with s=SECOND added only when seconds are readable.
h=11 m=59
